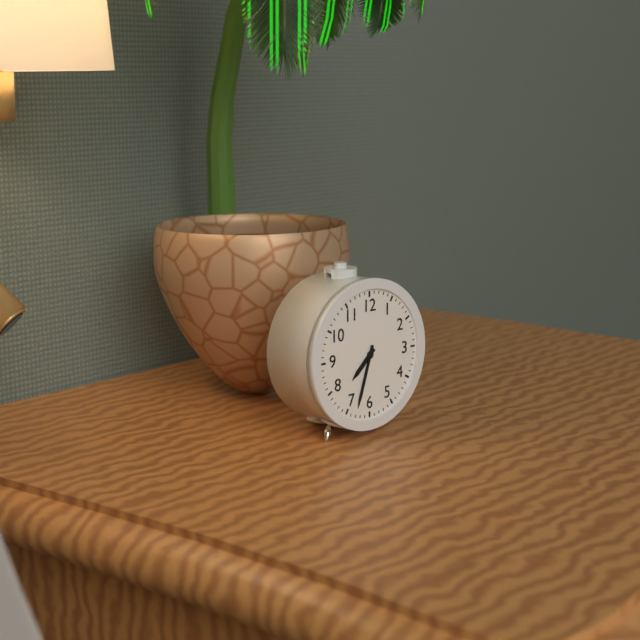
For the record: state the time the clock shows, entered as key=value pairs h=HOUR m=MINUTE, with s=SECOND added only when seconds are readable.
h=7 m=33
